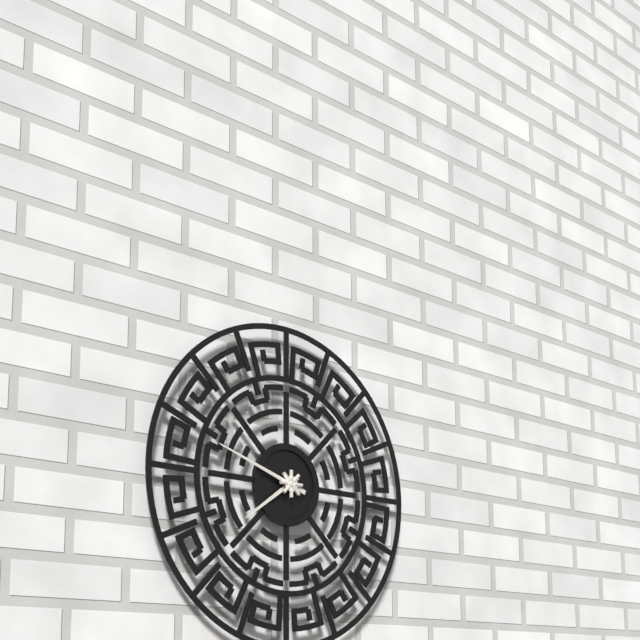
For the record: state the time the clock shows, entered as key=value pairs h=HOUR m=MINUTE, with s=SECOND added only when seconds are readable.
h=7 m=48
